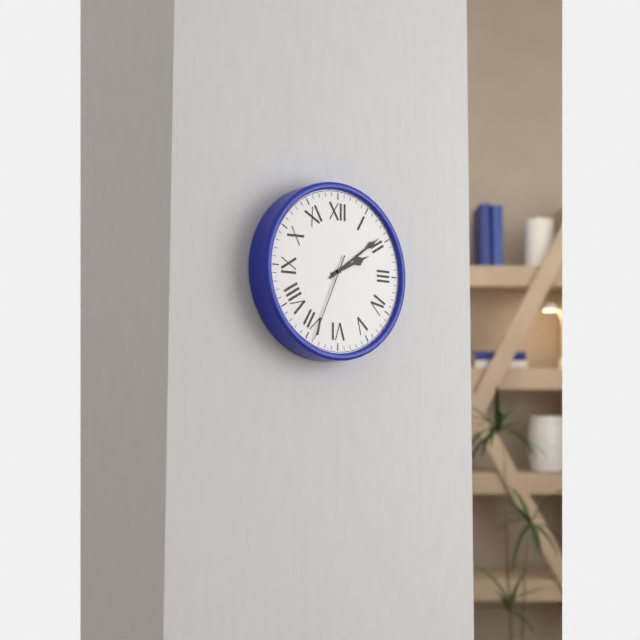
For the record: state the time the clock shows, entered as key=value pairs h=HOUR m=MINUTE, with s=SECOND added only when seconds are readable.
h=2 m=9 s=34
